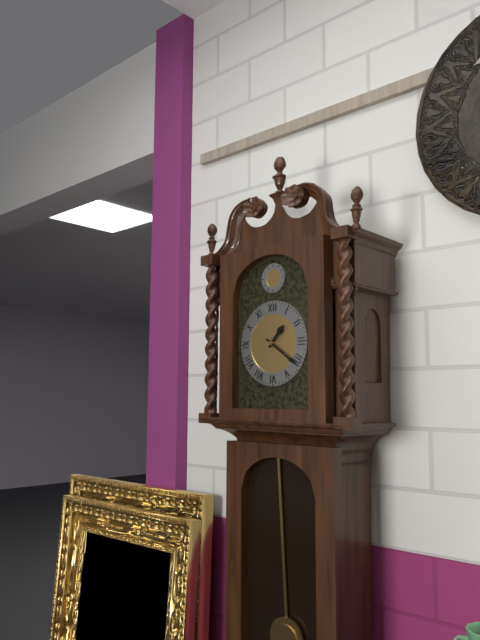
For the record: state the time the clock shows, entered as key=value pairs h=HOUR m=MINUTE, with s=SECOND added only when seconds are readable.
h=1 m=21
